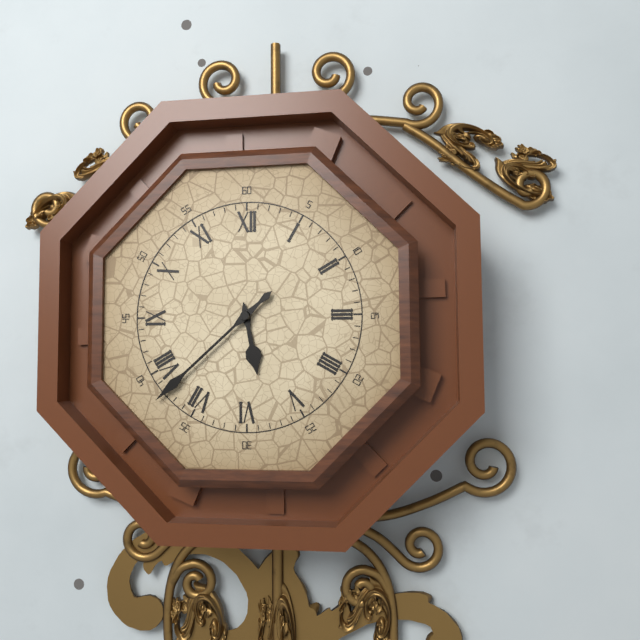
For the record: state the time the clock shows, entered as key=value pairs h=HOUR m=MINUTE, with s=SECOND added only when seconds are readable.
h=5 m=38
